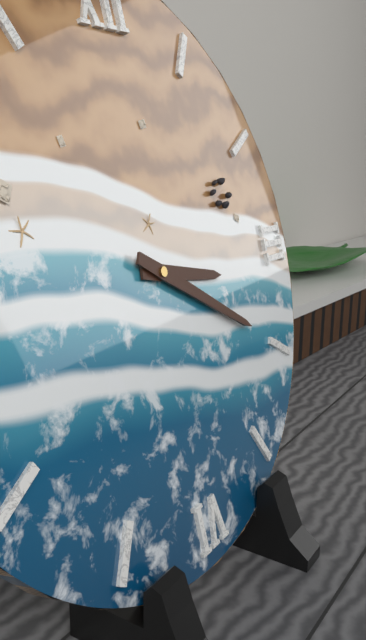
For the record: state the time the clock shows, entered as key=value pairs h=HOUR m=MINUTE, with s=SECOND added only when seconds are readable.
h=3 m=20
